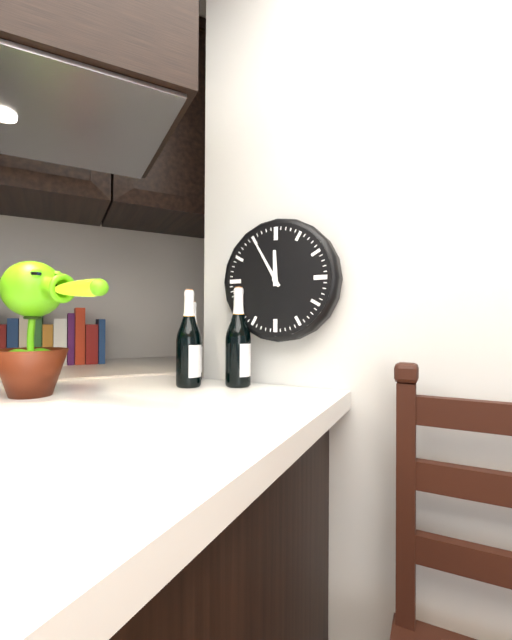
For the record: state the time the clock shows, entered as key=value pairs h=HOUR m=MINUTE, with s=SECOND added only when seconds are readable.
h=11 m=55
